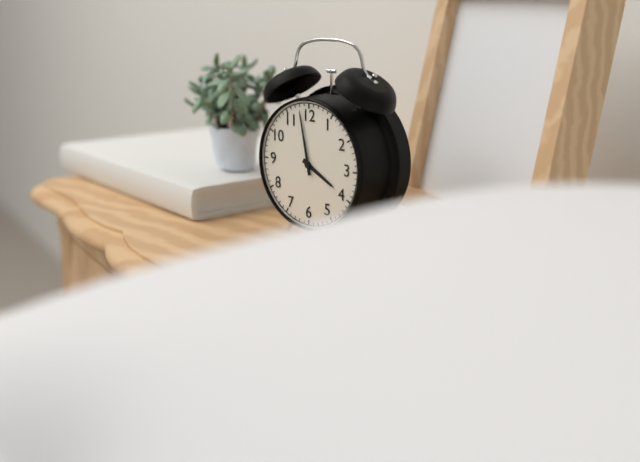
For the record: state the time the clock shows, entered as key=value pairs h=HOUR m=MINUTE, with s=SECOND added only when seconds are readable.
h=3 m=58
